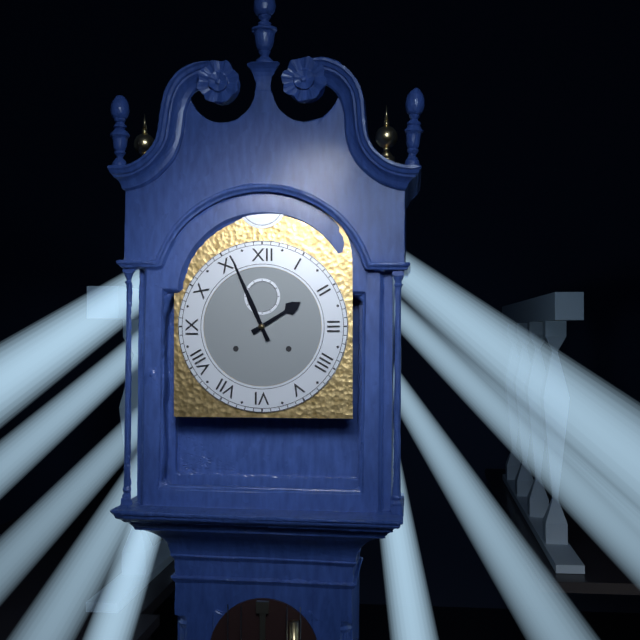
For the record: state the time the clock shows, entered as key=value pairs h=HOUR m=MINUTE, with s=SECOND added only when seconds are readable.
h=1 m=56
